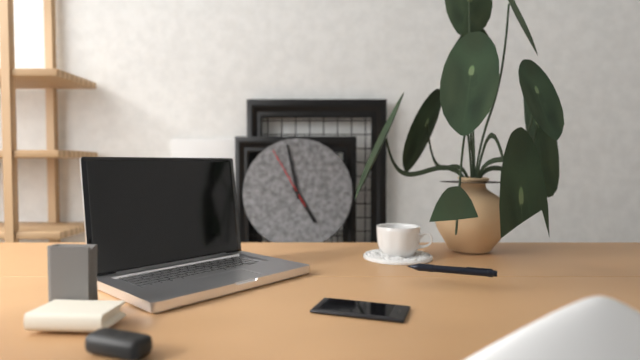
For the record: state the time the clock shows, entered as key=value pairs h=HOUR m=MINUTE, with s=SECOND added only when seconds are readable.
h=4 m=58 s=55
